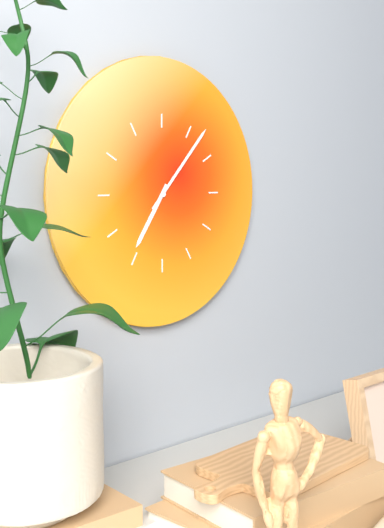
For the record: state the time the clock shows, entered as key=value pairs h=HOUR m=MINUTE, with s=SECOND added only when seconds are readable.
h=7 m=7
